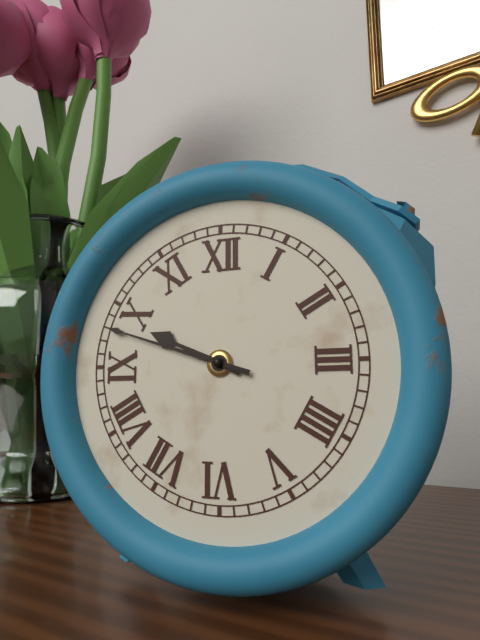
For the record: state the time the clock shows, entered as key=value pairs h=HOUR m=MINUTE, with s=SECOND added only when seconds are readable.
h=9 m=48
